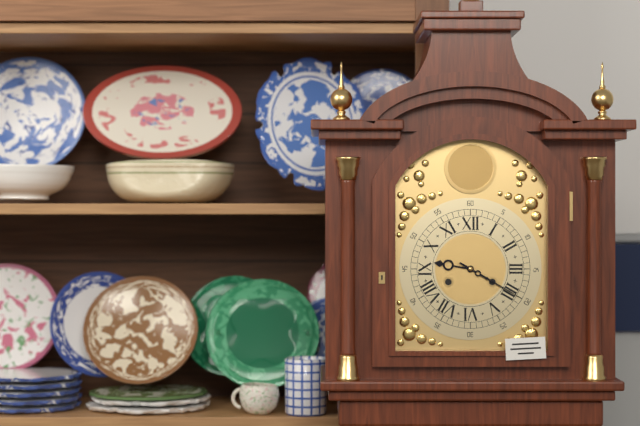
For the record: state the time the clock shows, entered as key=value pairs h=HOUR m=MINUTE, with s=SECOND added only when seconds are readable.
h=9 m=20
